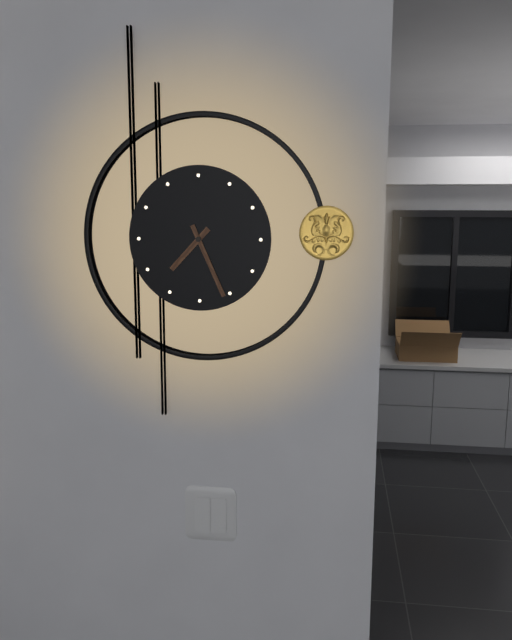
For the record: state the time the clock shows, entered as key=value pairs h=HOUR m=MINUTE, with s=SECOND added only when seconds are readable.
h=7 m=26
